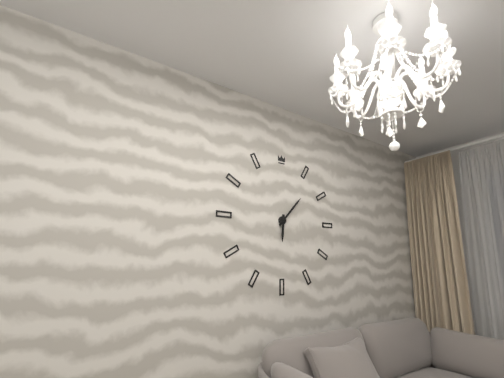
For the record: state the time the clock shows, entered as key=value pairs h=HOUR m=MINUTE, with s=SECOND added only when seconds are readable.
h=6 m=7
